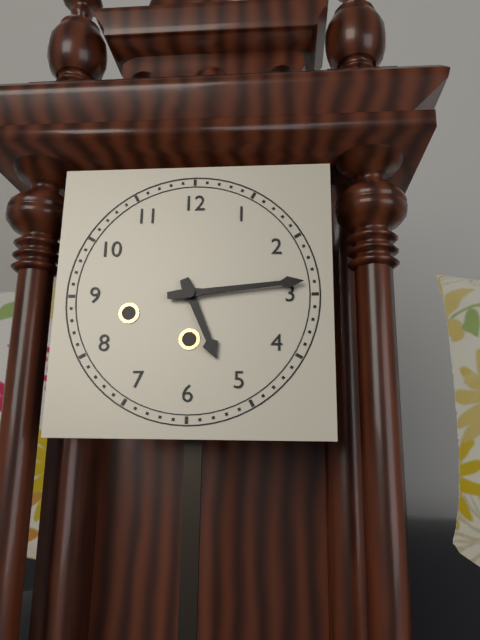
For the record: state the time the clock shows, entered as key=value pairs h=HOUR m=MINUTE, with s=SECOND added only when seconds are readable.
h=5 m=14
